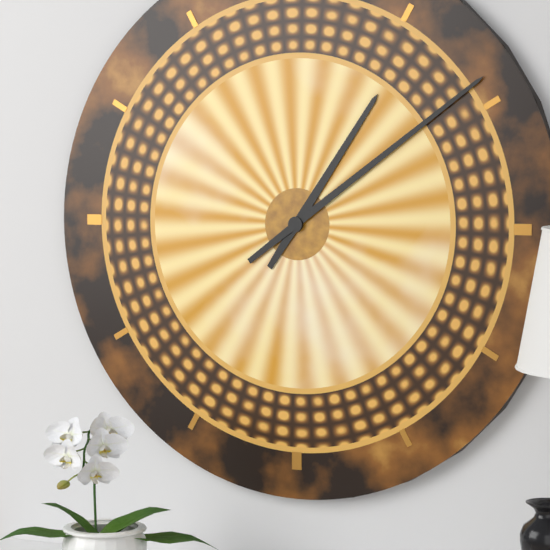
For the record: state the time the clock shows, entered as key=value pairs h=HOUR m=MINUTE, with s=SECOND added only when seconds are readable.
h=1 m=9
